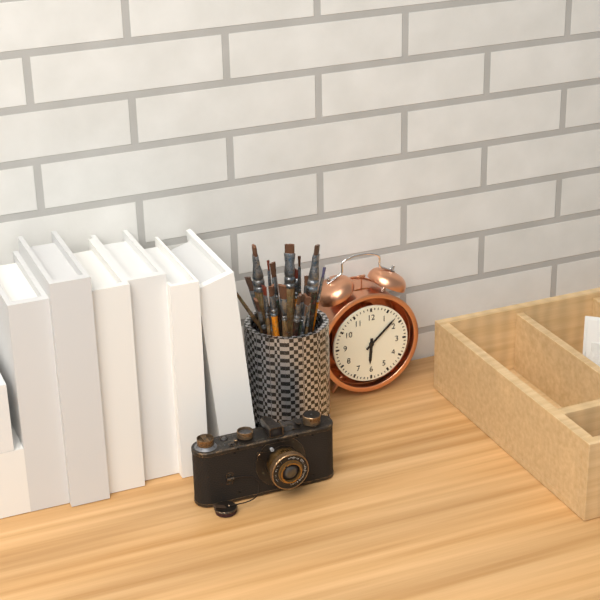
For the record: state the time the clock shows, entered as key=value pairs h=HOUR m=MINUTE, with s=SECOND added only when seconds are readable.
h=6 m=8
